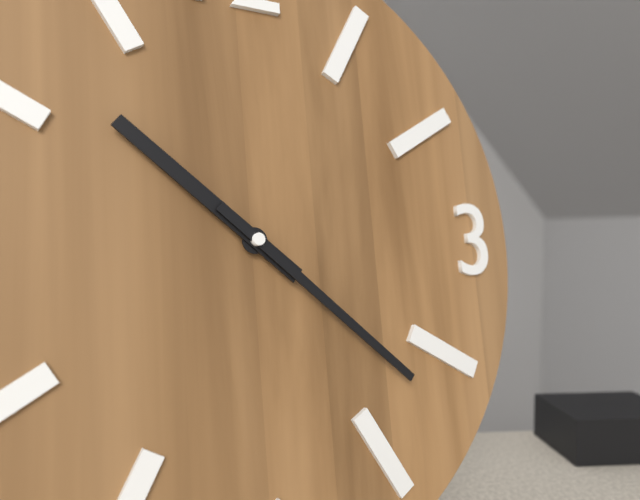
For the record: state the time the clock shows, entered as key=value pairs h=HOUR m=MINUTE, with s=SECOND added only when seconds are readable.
h=10 m=22
